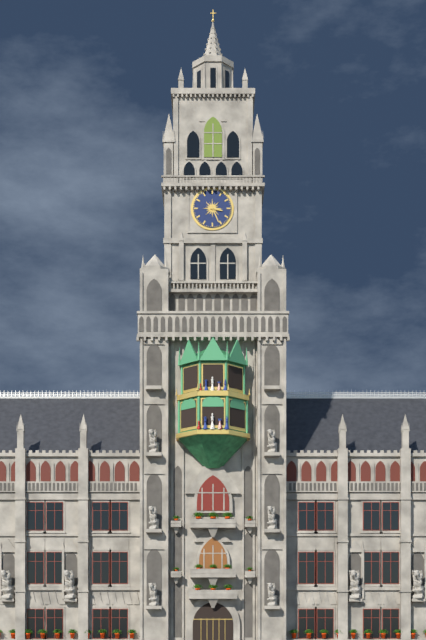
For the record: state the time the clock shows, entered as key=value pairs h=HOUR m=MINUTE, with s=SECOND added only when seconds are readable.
h=3 m=26
